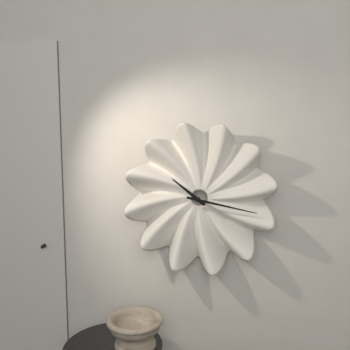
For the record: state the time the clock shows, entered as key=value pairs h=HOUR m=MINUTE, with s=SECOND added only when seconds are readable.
h=10 m=17
